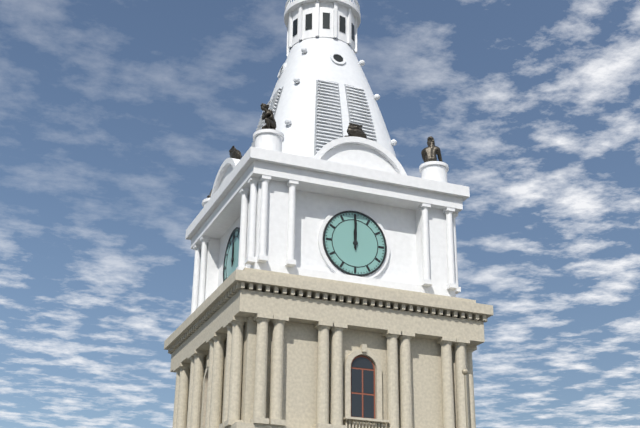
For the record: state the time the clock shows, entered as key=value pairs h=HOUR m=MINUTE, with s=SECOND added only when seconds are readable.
h=12 m=0
